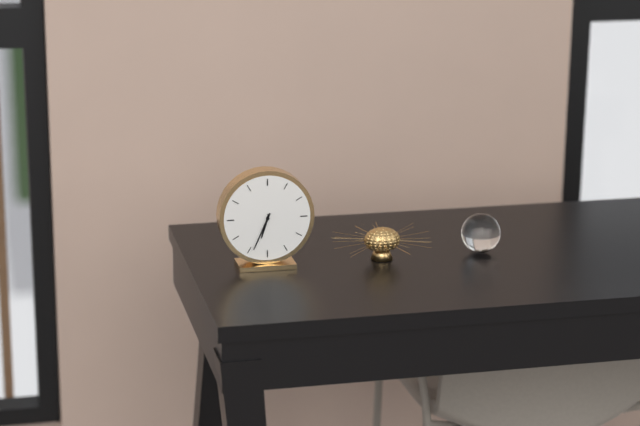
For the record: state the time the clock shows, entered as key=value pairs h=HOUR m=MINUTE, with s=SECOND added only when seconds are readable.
h=6 m=34
